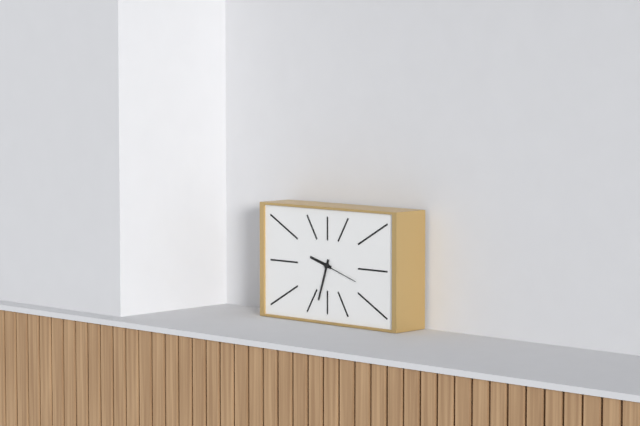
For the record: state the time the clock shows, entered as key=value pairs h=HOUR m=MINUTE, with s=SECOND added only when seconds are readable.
h=9 m=33
